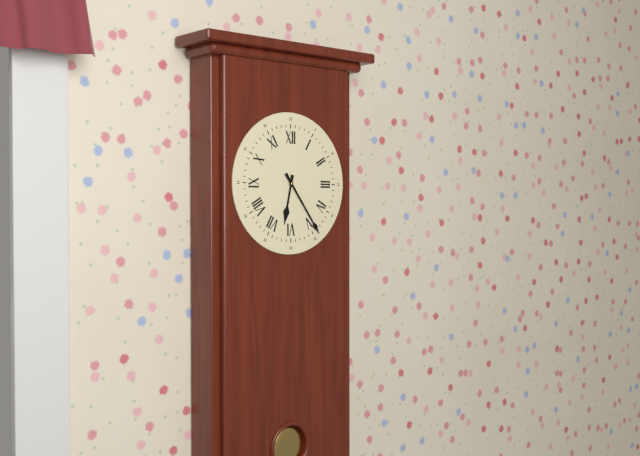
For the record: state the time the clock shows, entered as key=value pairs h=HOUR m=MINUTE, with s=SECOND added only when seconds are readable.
h=6 m=24
